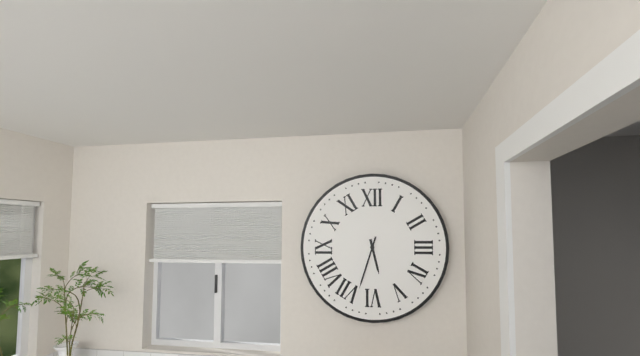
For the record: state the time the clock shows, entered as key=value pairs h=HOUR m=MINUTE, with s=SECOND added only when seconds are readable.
h=5 m=33
